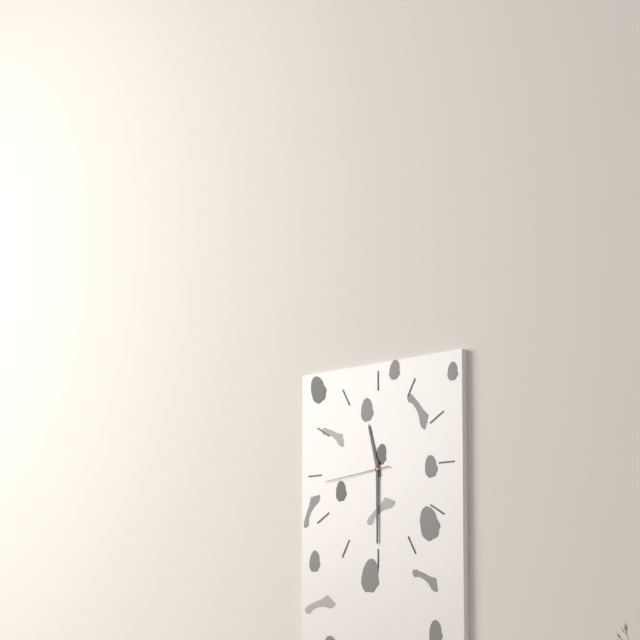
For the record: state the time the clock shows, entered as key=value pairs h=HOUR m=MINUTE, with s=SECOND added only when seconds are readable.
h=11 m=30 s=44
